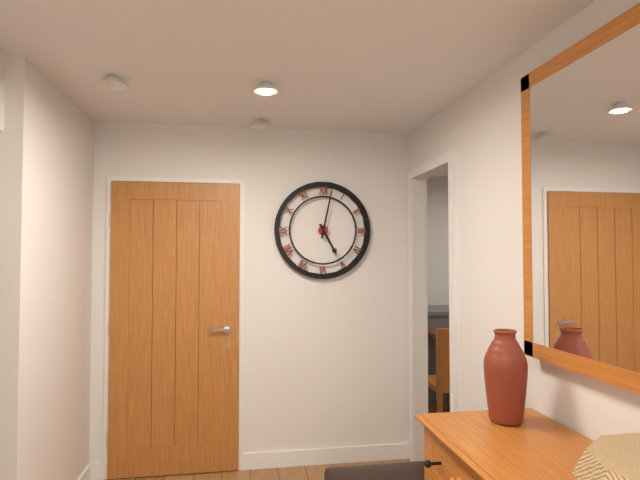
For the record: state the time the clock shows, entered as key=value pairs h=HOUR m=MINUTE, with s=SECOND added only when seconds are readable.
h=5 m=2
